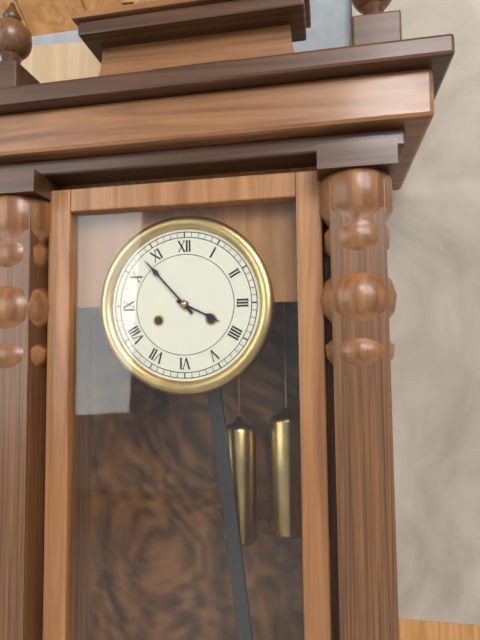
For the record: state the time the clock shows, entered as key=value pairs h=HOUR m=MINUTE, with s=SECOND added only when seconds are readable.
h=3 m=53
